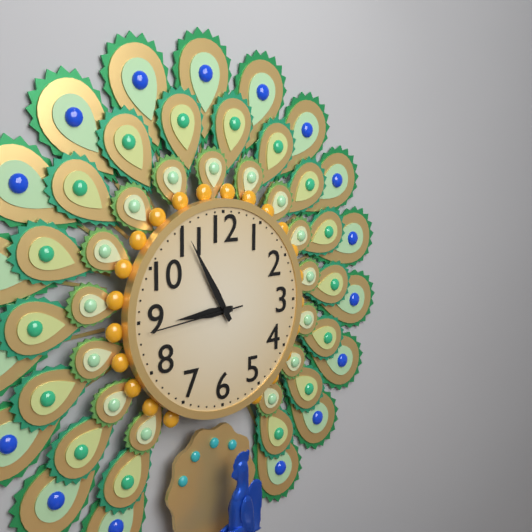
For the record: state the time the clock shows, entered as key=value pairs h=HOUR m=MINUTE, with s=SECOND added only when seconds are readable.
h=8 m=55 s=44
